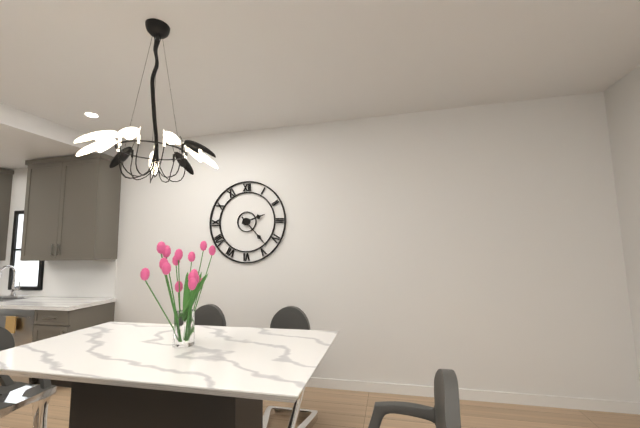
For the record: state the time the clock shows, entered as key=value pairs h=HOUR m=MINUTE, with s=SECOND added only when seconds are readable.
h=2 m=23
